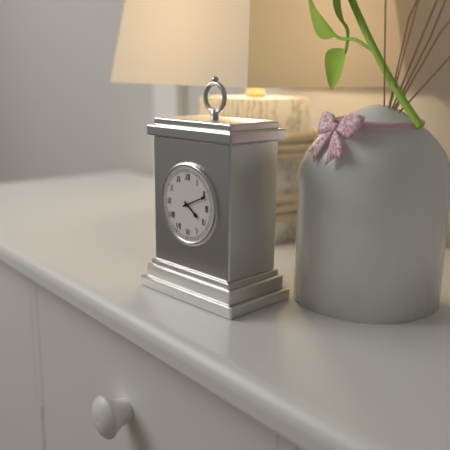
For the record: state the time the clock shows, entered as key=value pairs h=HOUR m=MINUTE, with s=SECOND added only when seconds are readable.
h=4 m=11
